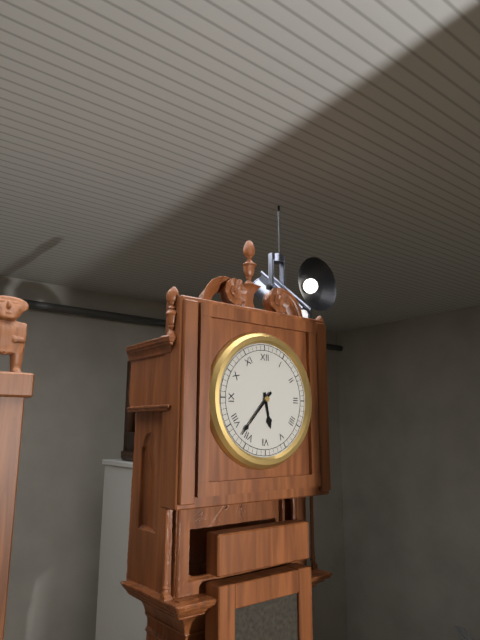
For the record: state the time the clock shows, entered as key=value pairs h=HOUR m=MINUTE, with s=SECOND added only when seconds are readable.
h=5 m=37
